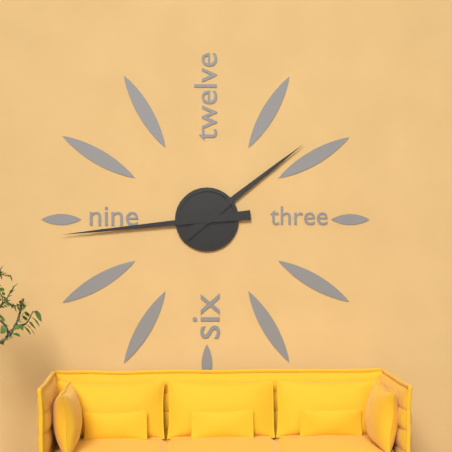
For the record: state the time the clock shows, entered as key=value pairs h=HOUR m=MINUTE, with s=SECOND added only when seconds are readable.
h=1 m=44
